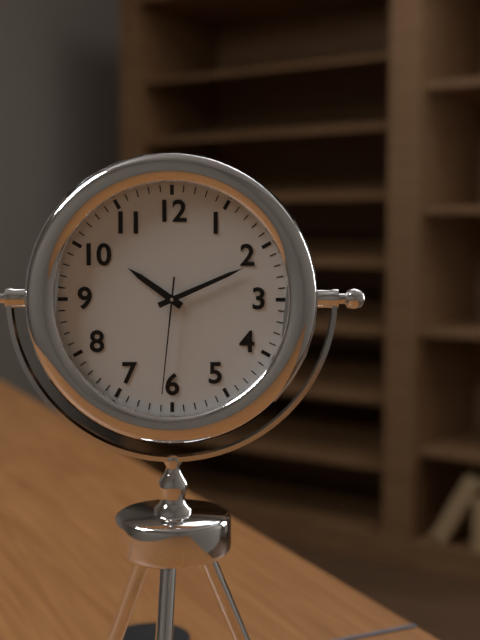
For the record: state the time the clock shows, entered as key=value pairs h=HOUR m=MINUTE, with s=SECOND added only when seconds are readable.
h=10 m=11 s=31
